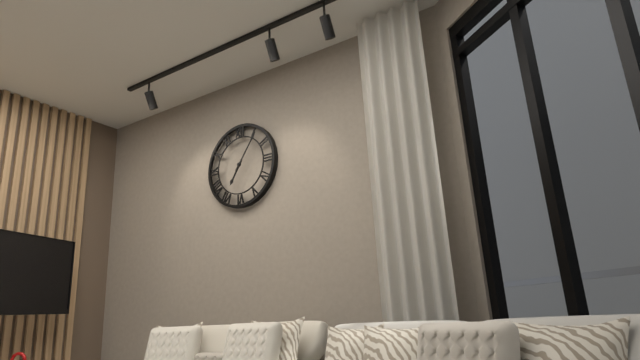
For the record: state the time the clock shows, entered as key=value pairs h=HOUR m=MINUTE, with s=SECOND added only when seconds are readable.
h=7 m=6
